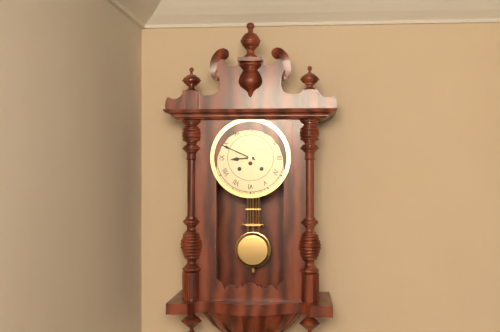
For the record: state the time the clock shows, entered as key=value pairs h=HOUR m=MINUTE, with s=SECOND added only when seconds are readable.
h=8 m=49
